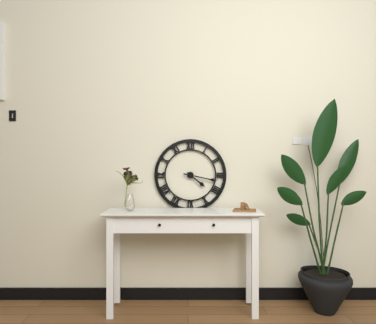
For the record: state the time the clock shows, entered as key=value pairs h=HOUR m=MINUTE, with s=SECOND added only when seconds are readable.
h=4 m=17
